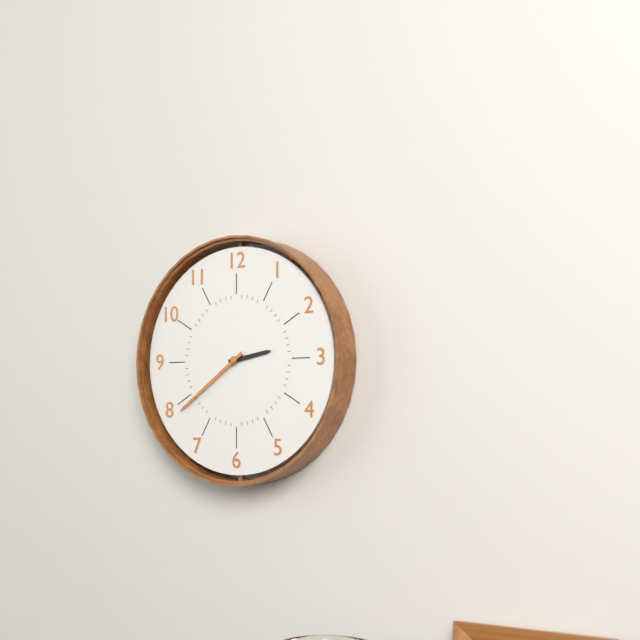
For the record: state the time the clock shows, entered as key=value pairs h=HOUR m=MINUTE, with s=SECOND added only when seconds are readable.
h=2 m=39
